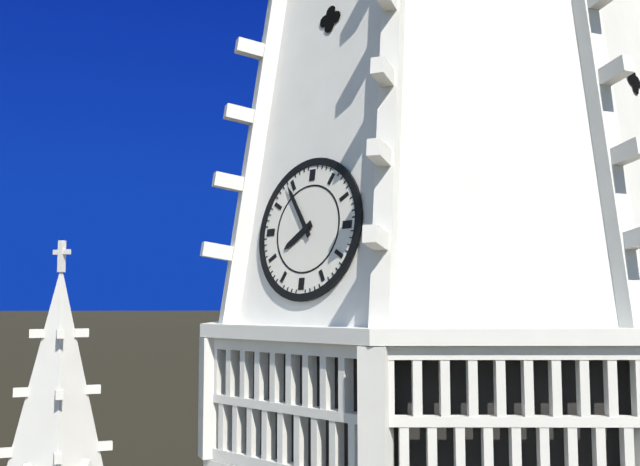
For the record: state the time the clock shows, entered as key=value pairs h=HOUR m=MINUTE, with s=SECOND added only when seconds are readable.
h=7 m=54
